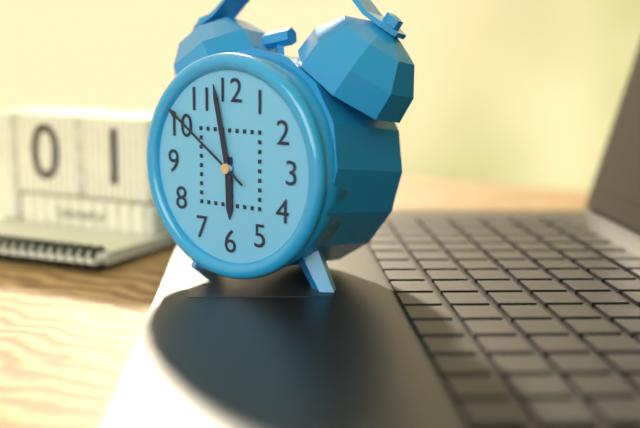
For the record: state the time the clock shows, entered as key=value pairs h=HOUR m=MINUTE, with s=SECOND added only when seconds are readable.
h=5 m=58 s=51
